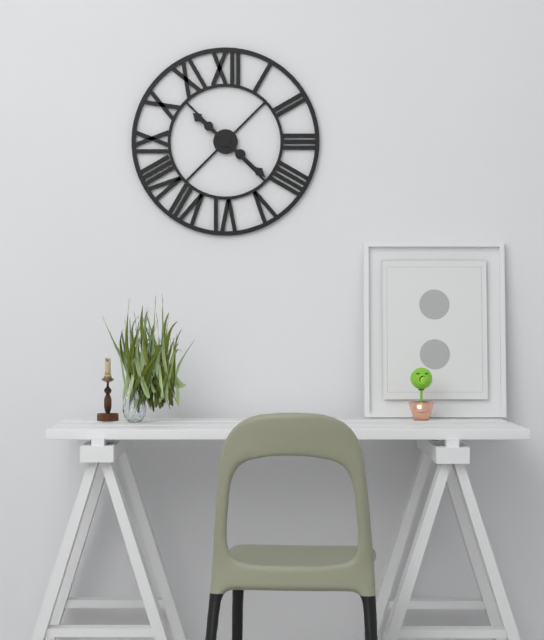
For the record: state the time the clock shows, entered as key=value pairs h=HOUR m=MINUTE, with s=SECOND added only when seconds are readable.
h=10 m=22
